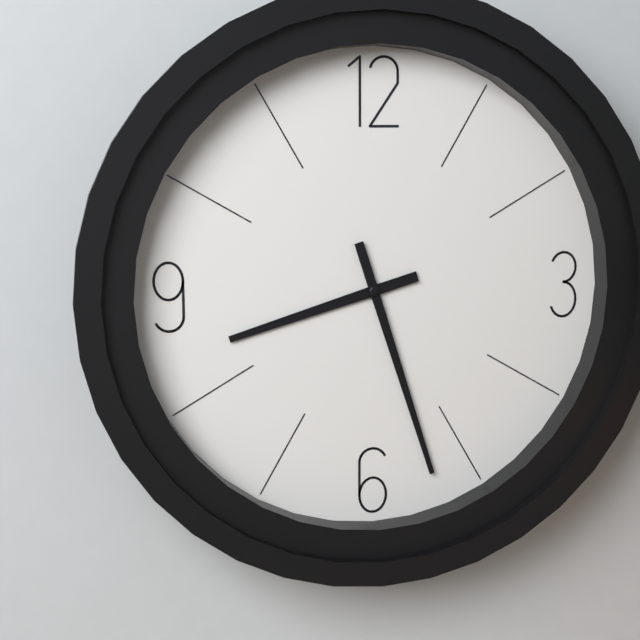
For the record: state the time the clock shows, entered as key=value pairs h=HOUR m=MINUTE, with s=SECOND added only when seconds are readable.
h=8 m=27
